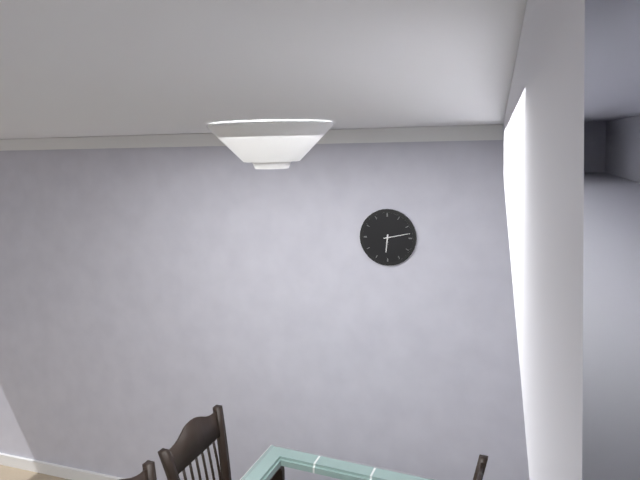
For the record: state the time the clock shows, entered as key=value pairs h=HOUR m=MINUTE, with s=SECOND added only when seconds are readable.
h=6 m=13
